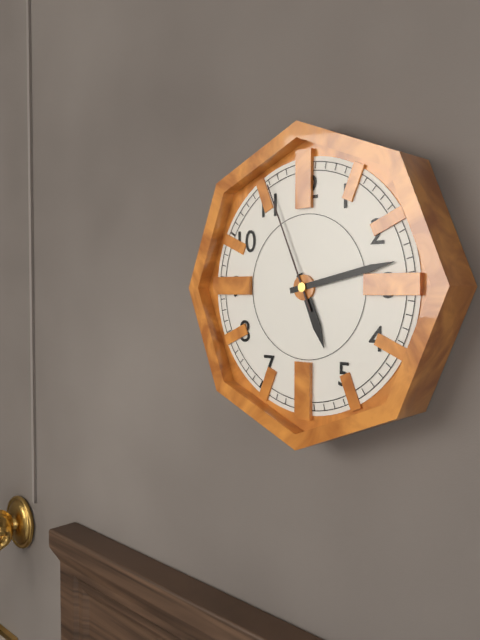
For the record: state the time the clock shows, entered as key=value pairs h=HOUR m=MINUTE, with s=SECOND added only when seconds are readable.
h=5 m=13 s=56
